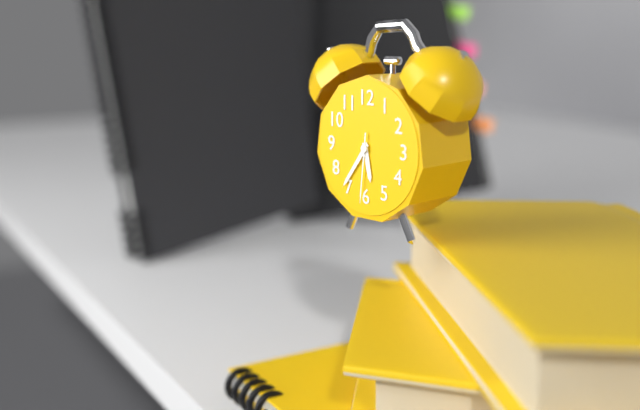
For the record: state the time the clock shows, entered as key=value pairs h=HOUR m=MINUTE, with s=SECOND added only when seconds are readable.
h=5 m=36 s=31
